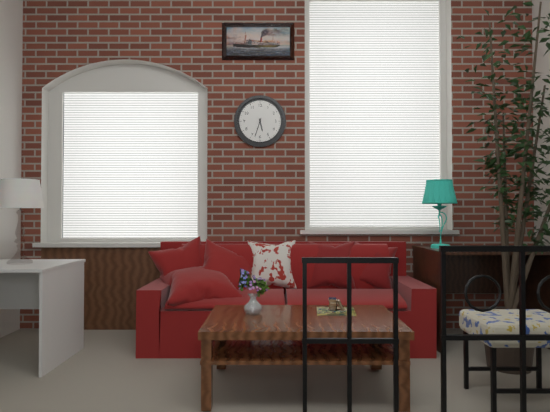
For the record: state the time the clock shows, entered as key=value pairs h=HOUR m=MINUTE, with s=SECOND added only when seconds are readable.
h=5 m=33
